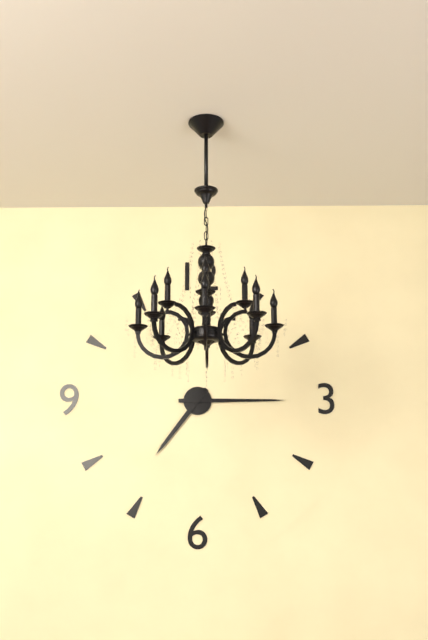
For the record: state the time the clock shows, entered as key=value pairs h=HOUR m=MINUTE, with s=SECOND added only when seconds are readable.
h=7 m=15
